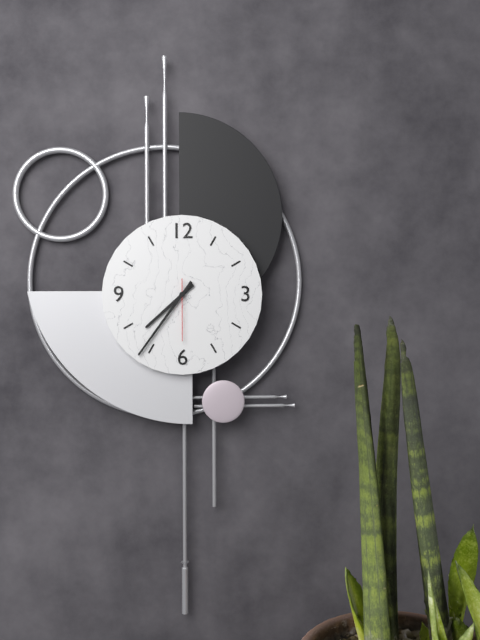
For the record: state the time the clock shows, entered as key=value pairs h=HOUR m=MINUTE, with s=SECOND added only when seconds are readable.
h=7 m=36 s=30
